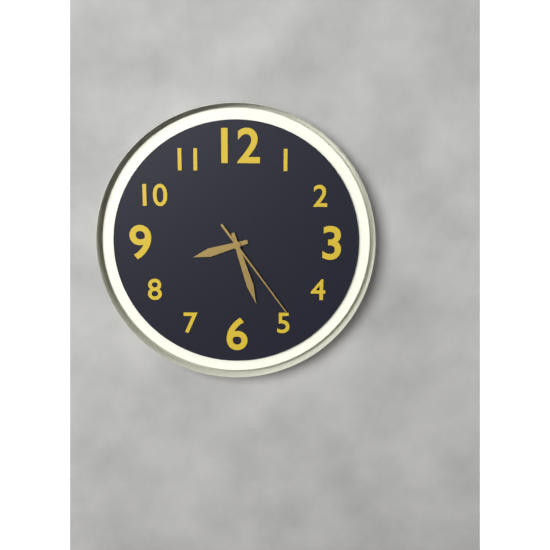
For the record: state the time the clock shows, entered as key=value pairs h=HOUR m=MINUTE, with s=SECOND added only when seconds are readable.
h=8 m=27 s=24
